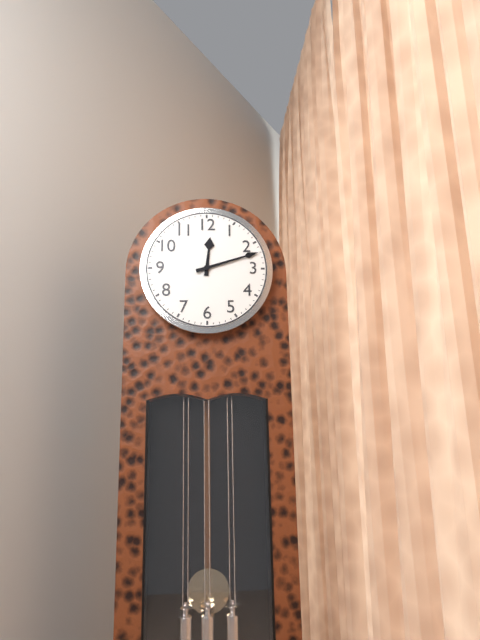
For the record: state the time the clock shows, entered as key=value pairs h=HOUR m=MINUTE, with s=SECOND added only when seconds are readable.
h=12 m=12
